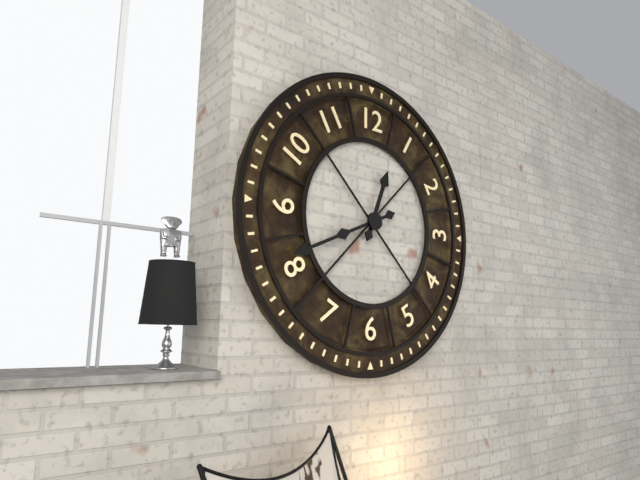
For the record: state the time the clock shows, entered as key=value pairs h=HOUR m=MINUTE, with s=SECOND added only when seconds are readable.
h=12 m=41
